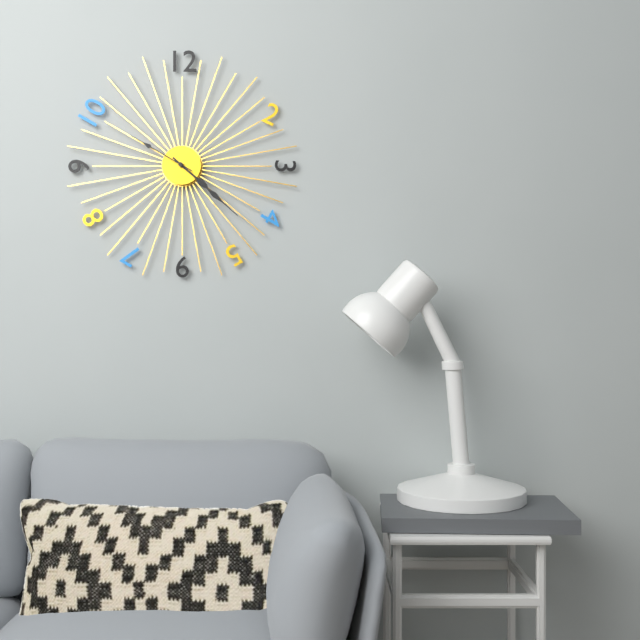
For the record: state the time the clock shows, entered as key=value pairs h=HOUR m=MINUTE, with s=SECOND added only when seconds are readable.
h=4 m=22 s=50
